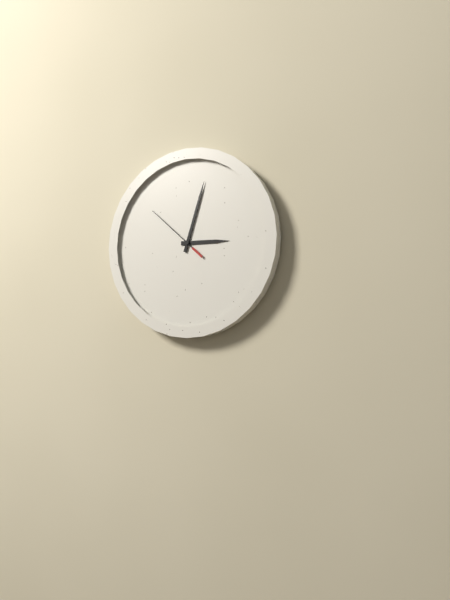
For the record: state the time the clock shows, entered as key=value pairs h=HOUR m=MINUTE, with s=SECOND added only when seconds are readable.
h=3 m=3 s=52
